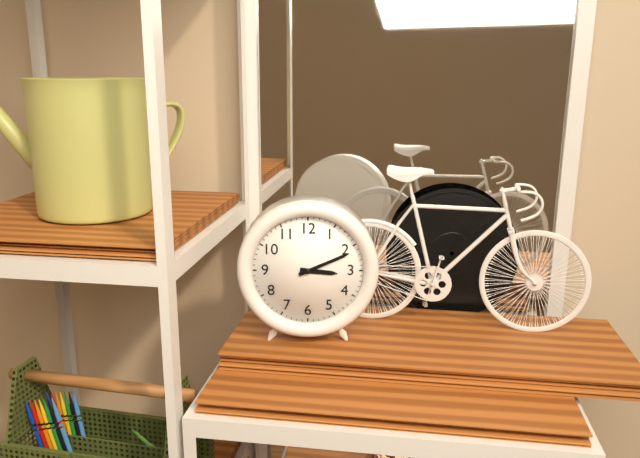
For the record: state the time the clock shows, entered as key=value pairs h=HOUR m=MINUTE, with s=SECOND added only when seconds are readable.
h=3 m=11
